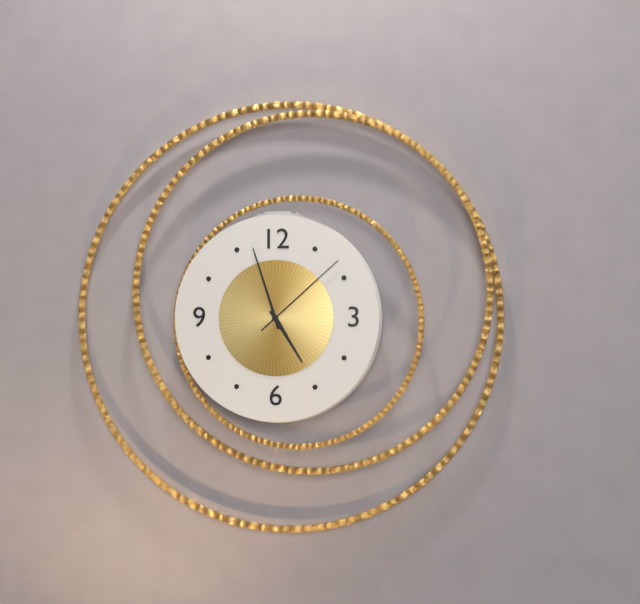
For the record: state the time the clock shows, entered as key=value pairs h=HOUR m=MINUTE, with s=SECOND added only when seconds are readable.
h=4 m=57 s=8
